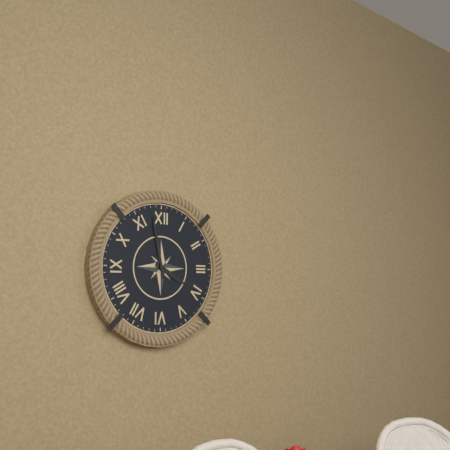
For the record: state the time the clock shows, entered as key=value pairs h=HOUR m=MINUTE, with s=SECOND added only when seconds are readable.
h=3 m=58
